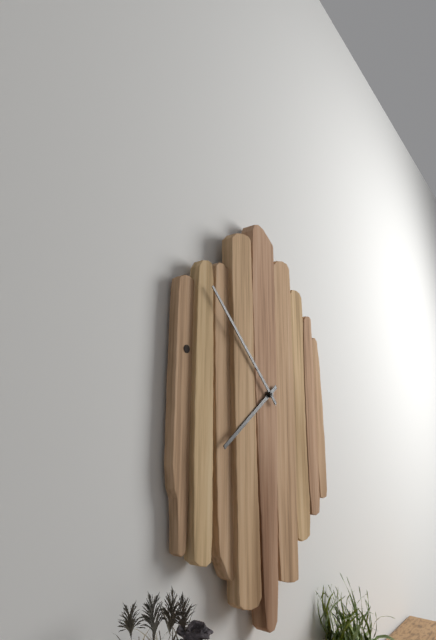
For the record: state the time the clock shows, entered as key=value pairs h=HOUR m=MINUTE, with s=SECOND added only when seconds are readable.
h=7 m=52
